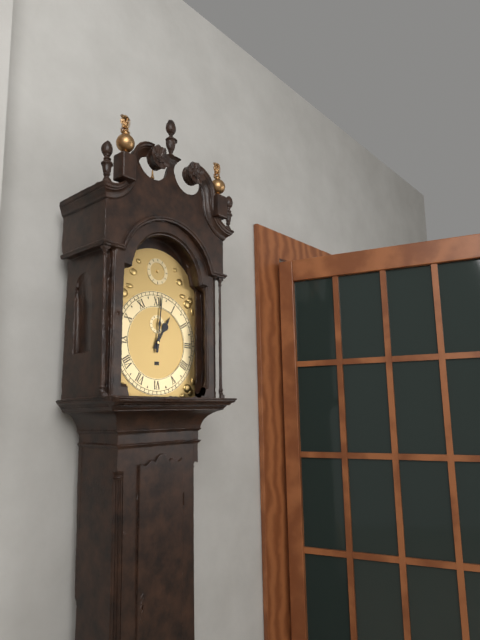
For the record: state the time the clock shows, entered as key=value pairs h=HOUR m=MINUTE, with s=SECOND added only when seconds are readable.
h=1 m=1
